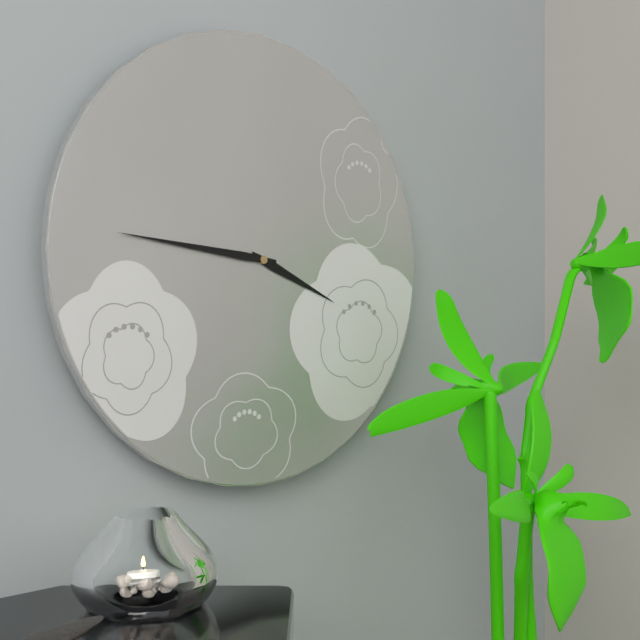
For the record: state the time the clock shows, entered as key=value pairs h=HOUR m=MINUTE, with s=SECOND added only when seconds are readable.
h=3 m=46
